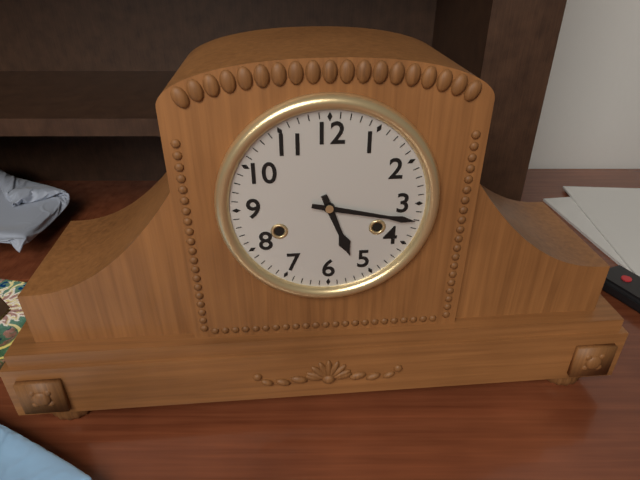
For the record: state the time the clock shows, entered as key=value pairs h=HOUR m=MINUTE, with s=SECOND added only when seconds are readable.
h=5 m=17
